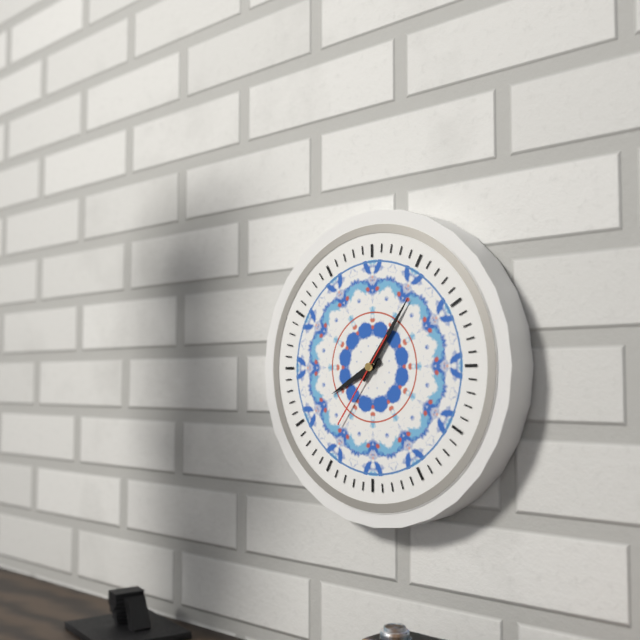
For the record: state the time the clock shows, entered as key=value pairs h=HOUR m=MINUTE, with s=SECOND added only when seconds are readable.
h=8 m=6 s=36
